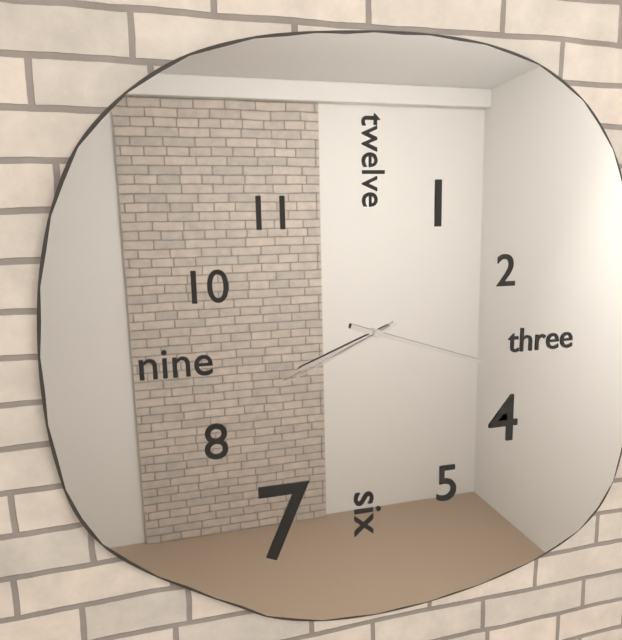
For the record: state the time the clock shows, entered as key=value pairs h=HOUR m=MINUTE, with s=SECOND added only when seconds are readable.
h=8 m=18 s=41
